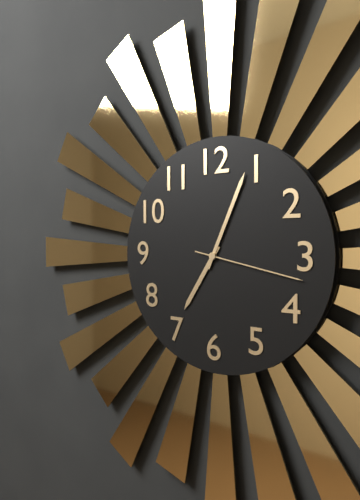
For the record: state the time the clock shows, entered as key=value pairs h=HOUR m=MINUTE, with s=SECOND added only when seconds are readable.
h=7 m=4 s=17
